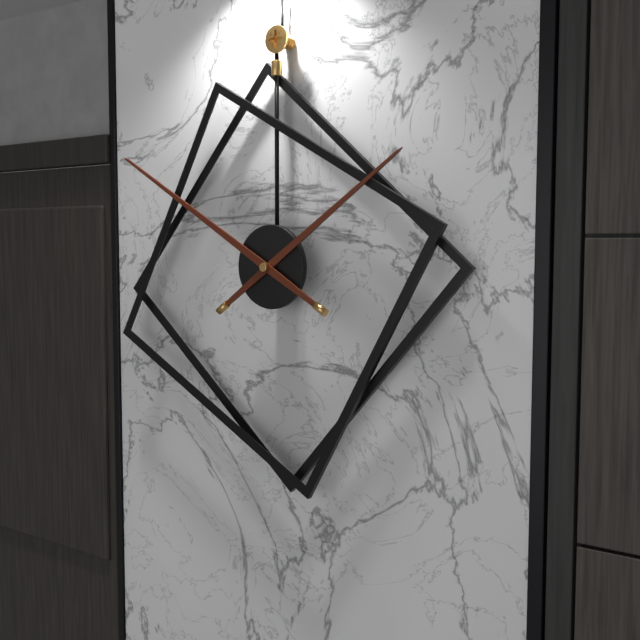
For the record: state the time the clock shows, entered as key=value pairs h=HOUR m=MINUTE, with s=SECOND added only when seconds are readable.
h=1 m=50
